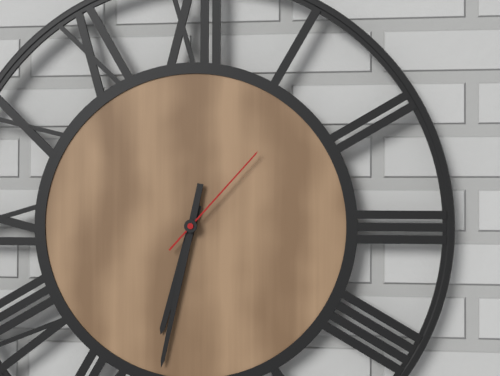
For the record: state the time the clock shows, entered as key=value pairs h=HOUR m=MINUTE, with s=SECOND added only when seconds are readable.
h=6 m=32 s=7
